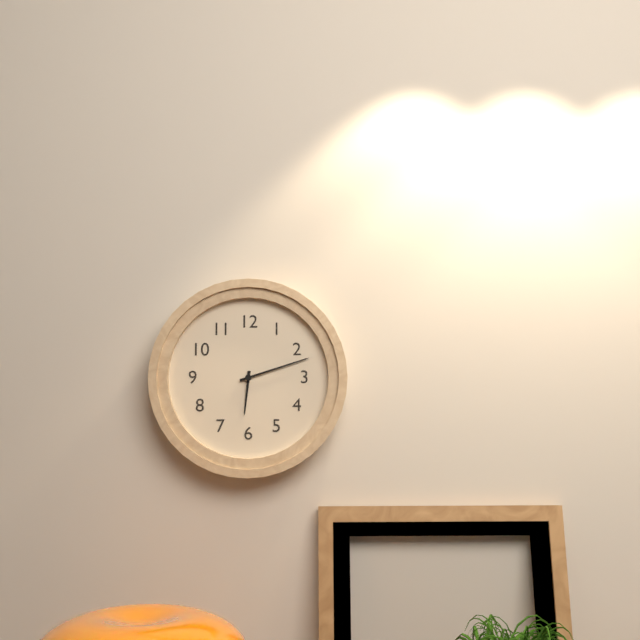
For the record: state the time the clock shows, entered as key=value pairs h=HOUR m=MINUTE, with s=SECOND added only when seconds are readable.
h=6 m=12
